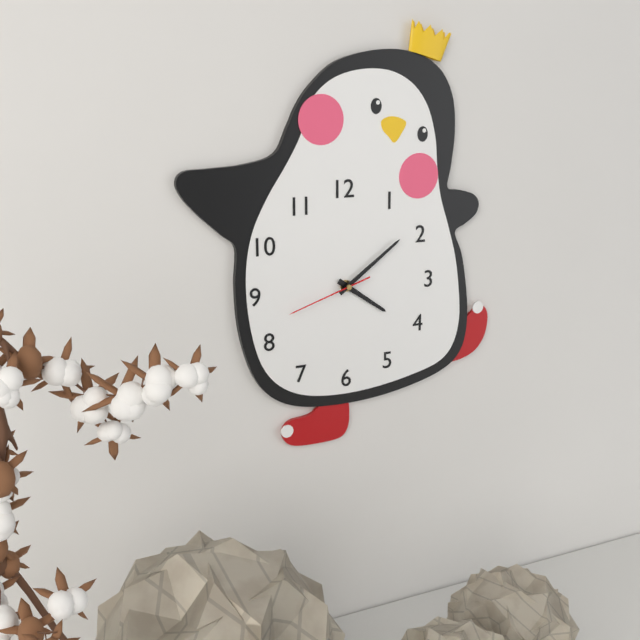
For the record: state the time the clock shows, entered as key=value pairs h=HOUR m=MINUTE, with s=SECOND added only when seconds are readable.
h=4 m=9 s=42
